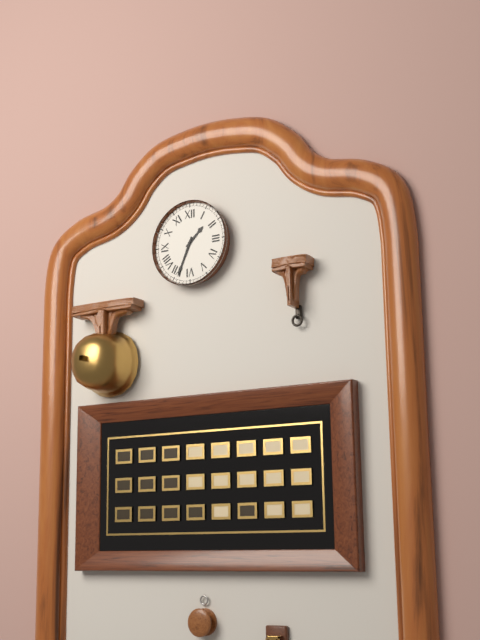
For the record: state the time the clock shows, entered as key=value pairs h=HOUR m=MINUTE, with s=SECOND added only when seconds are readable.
h=1 m=34
